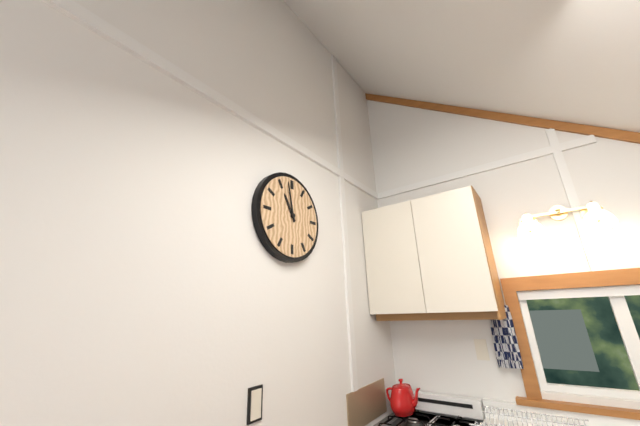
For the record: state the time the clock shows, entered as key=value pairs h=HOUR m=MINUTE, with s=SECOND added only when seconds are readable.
h=10 m=58
